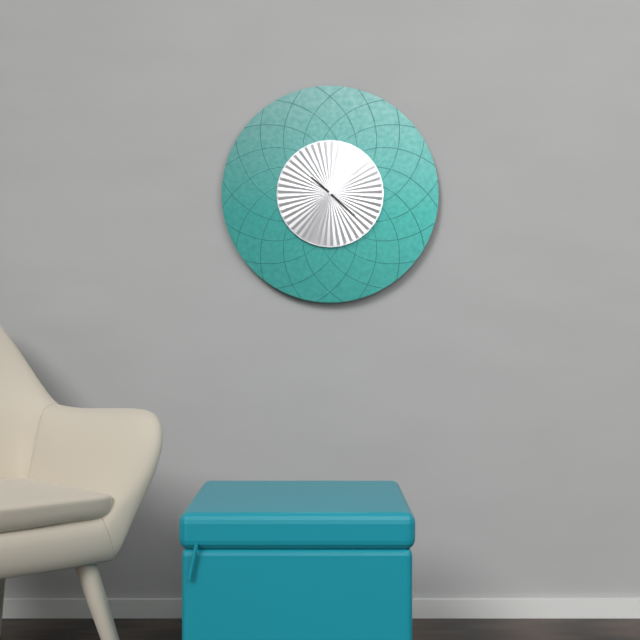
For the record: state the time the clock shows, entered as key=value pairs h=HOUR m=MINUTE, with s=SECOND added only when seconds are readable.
h=10 m=22
